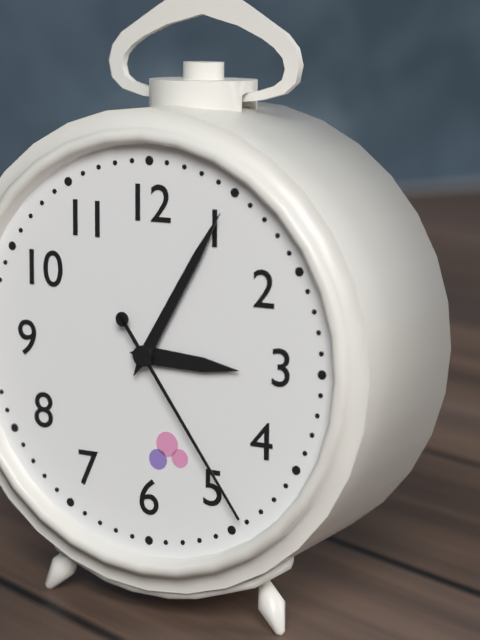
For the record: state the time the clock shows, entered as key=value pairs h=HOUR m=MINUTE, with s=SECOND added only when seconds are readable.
h=3 m=5 s=24
